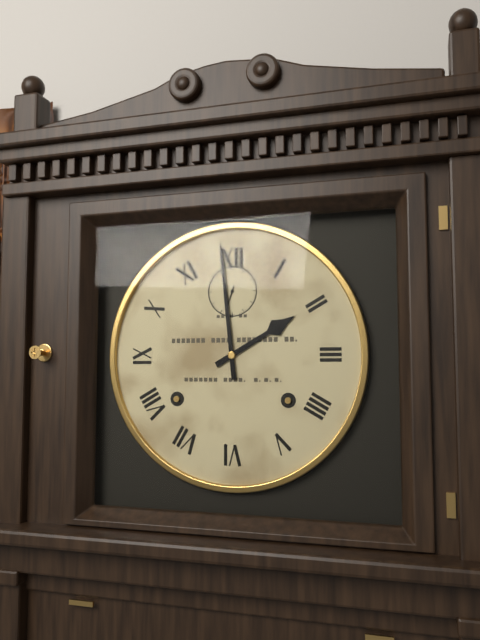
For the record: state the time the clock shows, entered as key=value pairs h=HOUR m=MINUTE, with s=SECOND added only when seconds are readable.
h=1 m=59
